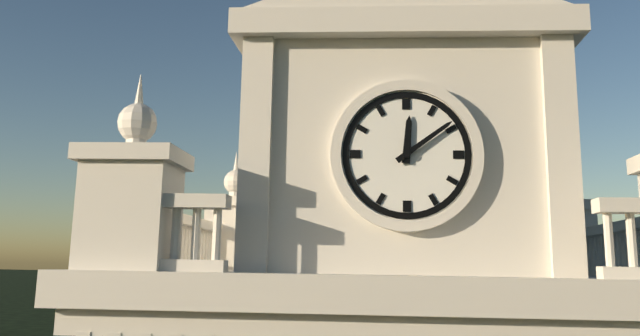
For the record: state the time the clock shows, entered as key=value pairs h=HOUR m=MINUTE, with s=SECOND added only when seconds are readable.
h=12 m=9
